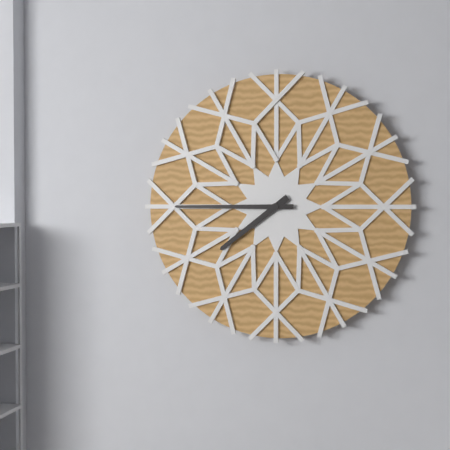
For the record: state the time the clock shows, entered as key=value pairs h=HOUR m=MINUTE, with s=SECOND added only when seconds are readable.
h=7 m=45
